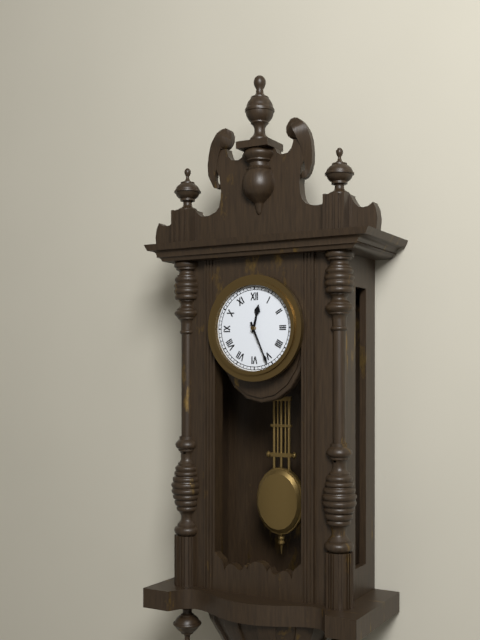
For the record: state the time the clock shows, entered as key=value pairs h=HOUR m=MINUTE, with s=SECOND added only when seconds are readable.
h=12 m=26
